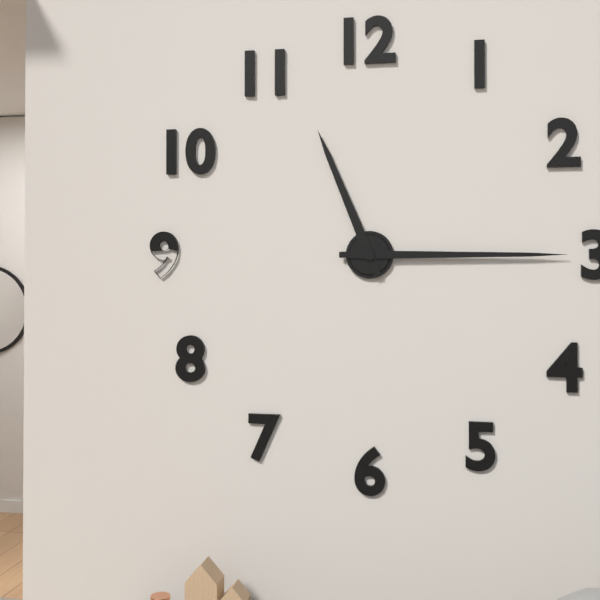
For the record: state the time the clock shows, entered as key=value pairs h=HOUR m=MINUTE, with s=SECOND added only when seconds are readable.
h=11 m=15
